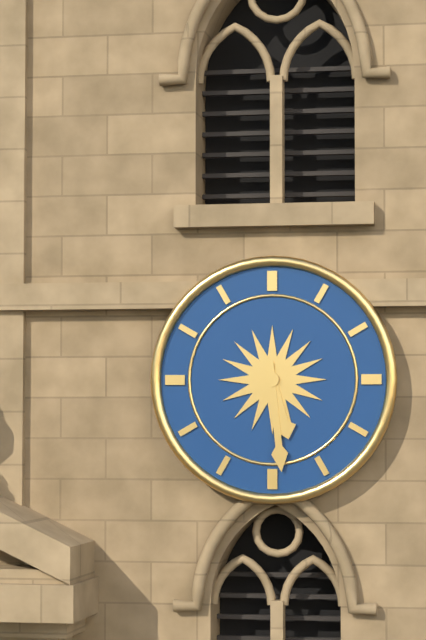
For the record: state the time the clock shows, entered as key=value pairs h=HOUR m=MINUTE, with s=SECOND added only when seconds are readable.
h=5 m=29
